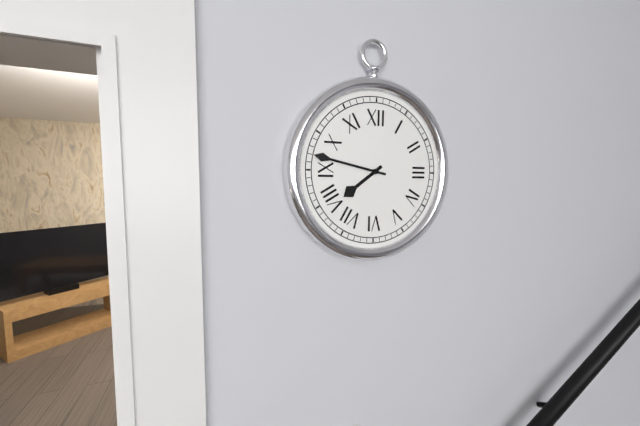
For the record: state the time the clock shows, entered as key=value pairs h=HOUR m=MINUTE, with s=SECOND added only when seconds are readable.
h=7 m=47
